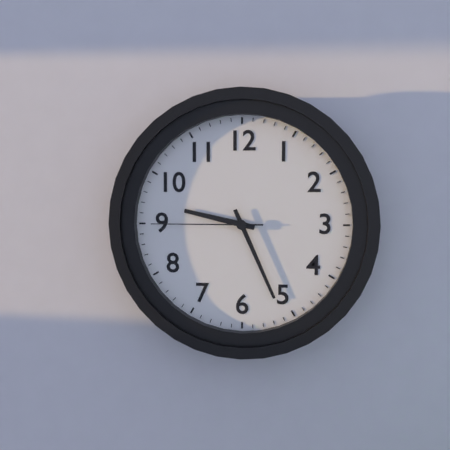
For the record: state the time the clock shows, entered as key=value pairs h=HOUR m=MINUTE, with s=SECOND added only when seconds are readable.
h=9 m=26 s=45
